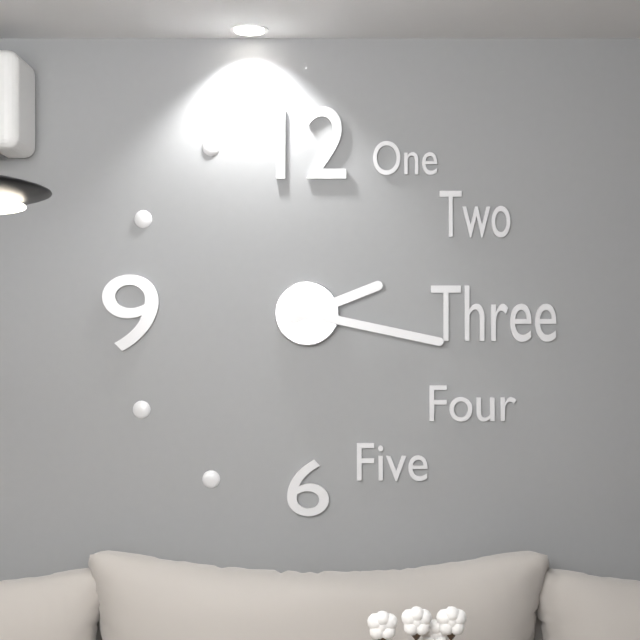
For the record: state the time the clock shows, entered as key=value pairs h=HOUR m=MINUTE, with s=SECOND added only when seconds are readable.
h=2 m=17
